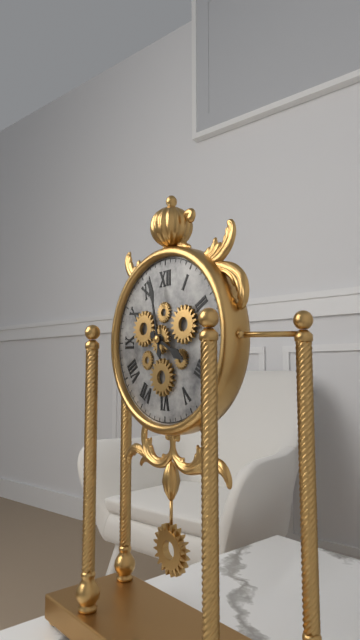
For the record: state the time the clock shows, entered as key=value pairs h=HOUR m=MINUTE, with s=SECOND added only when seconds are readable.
h=3 m=58
